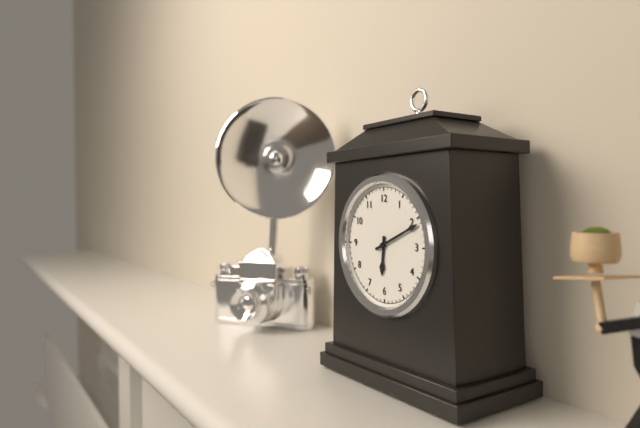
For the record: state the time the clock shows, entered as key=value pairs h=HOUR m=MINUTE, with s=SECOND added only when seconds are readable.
h=6 m=11
